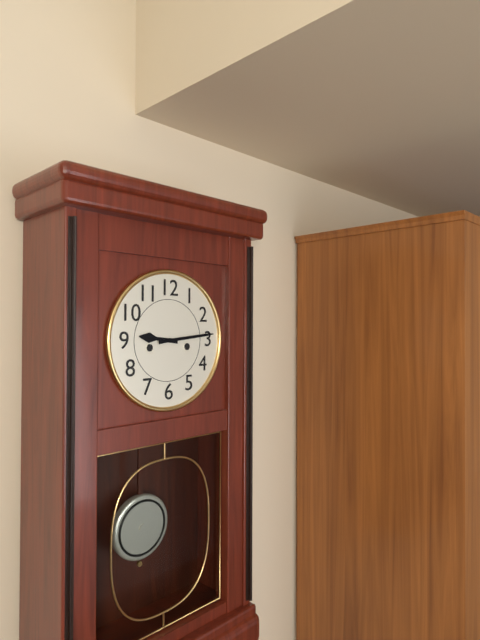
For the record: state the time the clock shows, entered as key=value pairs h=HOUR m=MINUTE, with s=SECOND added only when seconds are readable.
h=9 m=14
